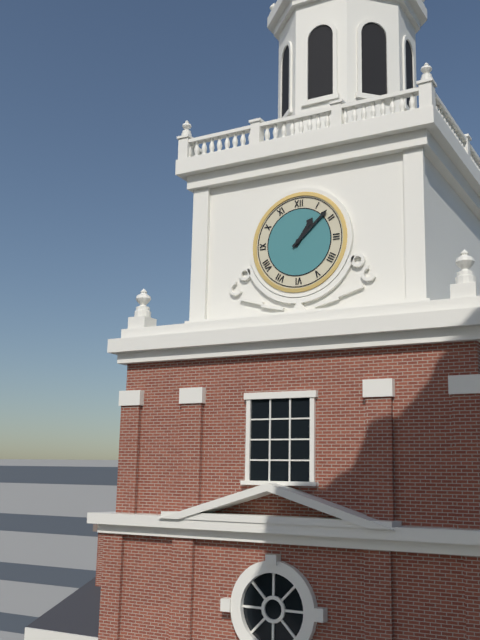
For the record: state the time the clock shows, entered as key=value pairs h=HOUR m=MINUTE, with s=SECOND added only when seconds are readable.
h=1 m=8
